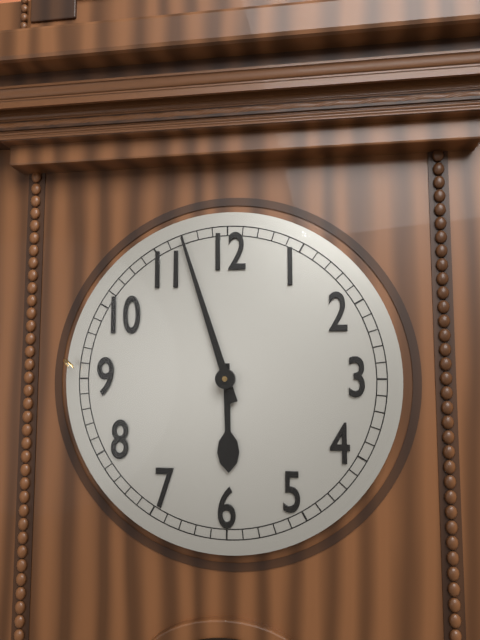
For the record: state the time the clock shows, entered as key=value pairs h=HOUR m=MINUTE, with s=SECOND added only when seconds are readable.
h=5 m=57
